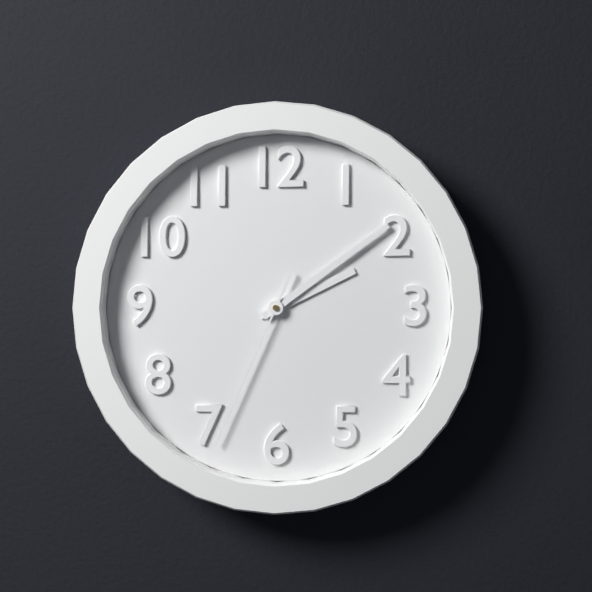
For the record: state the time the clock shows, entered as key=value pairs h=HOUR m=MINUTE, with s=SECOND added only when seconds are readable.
h=2 m=9 s=34
